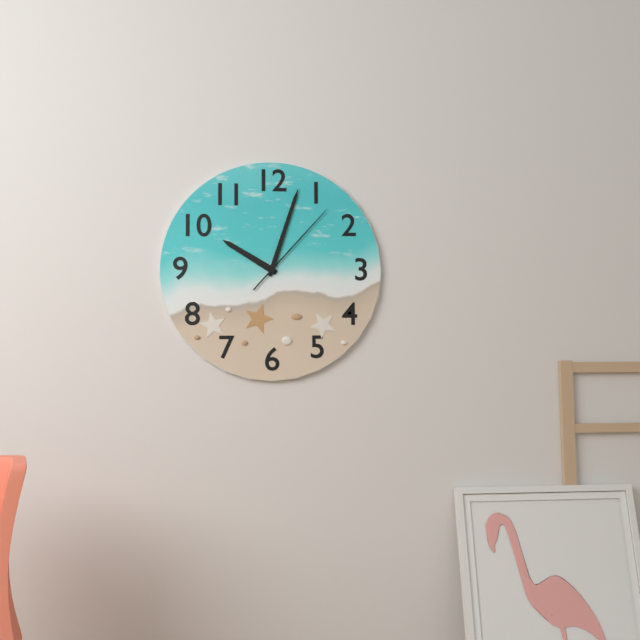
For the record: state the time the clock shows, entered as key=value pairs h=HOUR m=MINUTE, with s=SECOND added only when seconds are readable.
h=10 m=3 s=7
